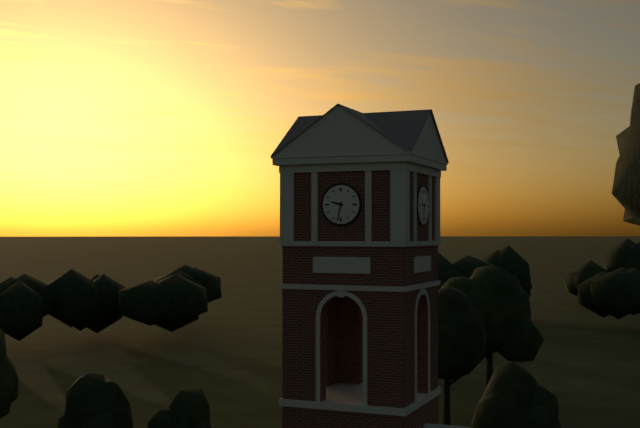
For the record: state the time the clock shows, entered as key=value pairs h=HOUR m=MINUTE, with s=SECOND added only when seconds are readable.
h=9 m=32
